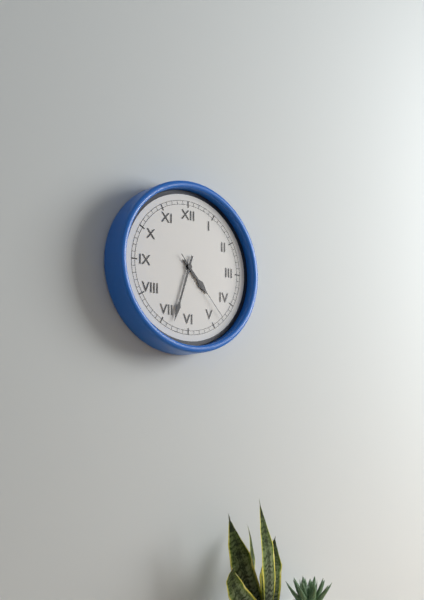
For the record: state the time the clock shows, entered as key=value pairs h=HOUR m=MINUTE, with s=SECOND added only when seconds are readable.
h=4 m=33 s=23
